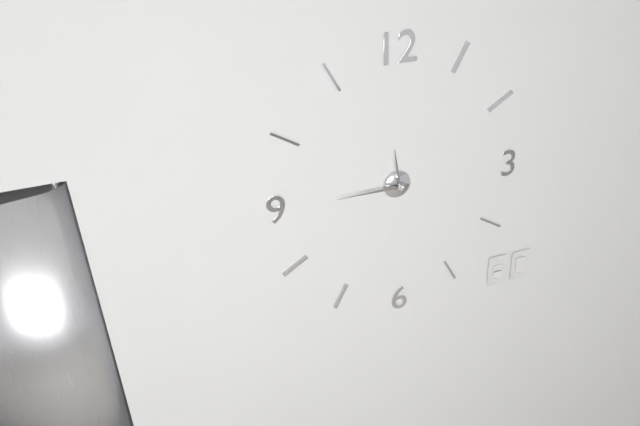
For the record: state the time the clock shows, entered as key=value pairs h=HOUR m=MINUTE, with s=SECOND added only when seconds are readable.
h=11 m=45
